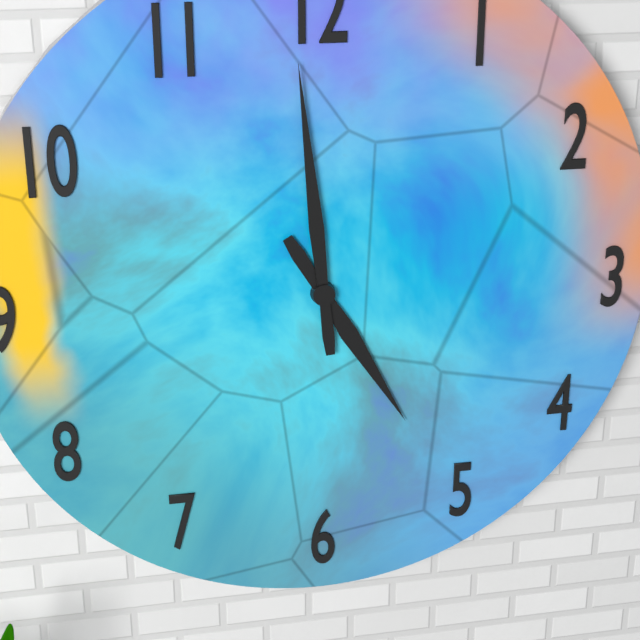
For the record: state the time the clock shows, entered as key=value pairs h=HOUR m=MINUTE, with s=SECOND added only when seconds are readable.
h=4 m=59
